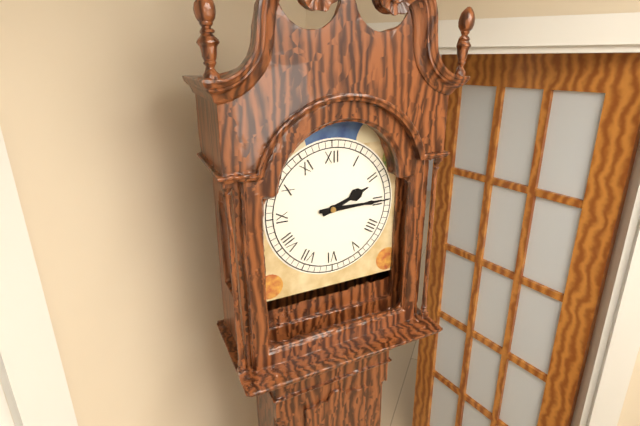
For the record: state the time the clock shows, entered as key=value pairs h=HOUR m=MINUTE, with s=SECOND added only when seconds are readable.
h=2 m=15
